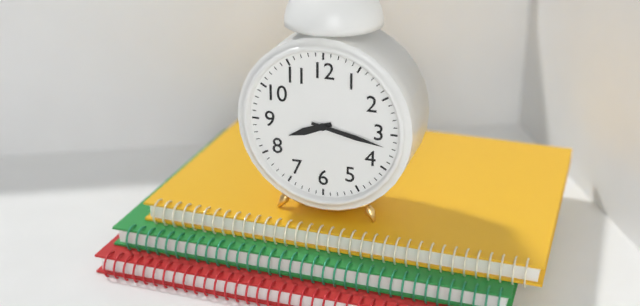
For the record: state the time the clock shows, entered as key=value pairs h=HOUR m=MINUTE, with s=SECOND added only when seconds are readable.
h=8 m=17
